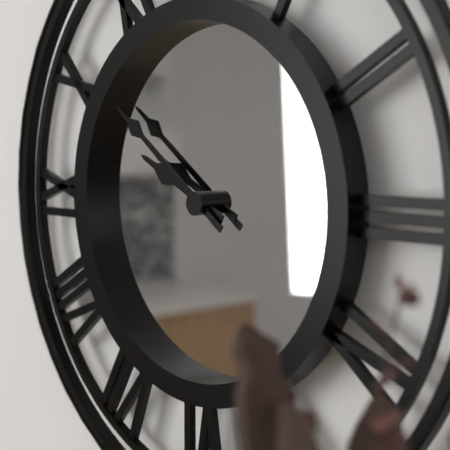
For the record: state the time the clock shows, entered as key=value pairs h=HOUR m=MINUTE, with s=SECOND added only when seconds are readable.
h=9 m=51
